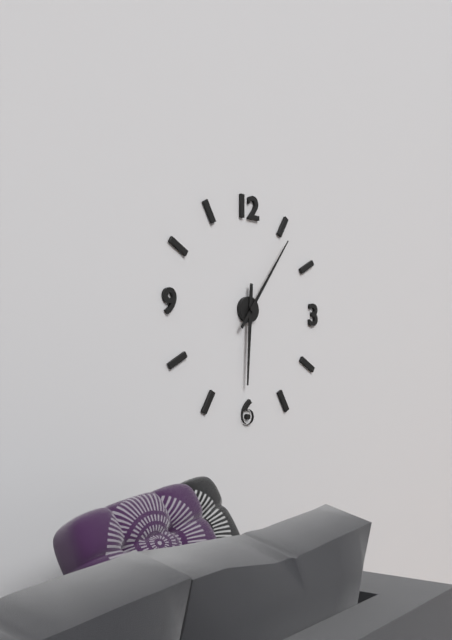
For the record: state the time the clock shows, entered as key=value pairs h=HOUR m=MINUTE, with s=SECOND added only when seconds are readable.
h=6 m=6
